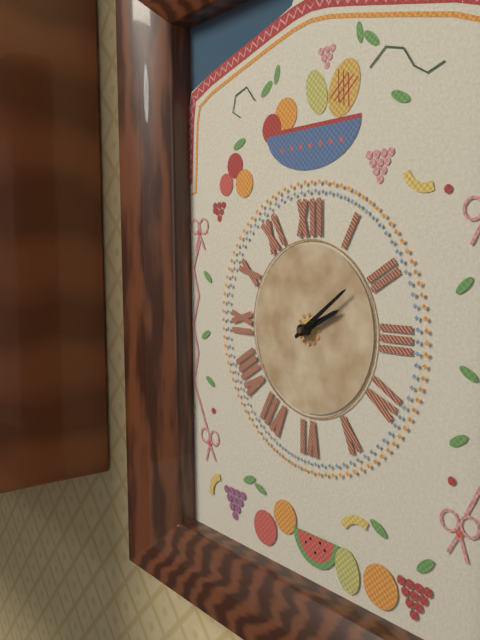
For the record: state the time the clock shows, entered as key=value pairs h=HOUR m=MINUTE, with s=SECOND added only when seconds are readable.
h=2 m=9
